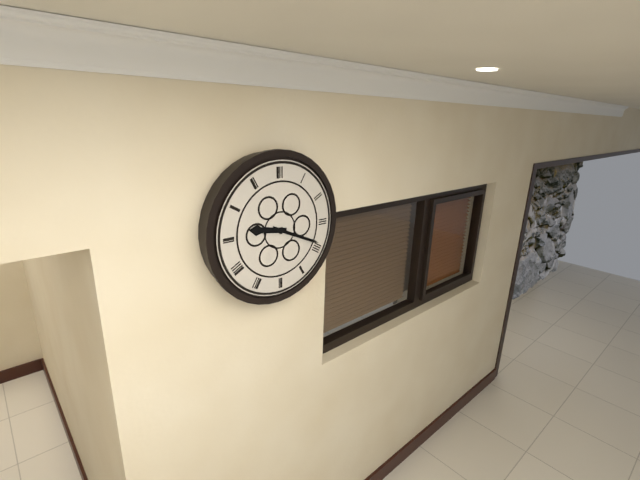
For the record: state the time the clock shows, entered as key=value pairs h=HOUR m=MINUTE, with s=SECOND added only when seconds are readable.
h=9 m=19
